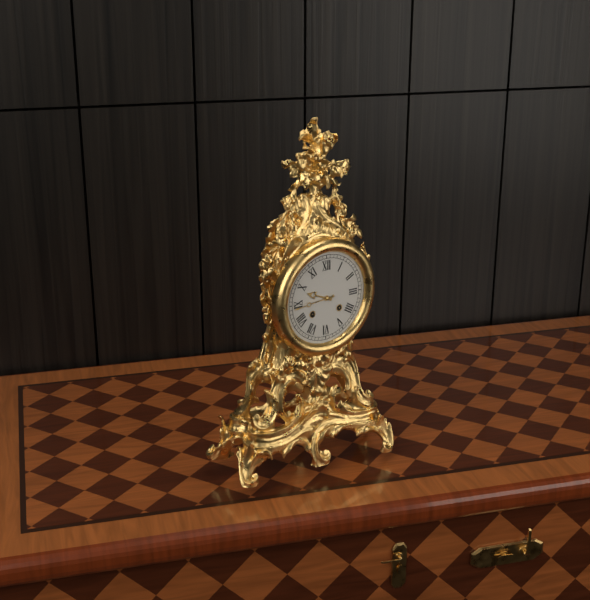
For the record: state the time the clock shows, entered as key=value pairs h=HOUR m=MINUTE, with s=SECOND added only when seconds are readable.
h=9 m=44
